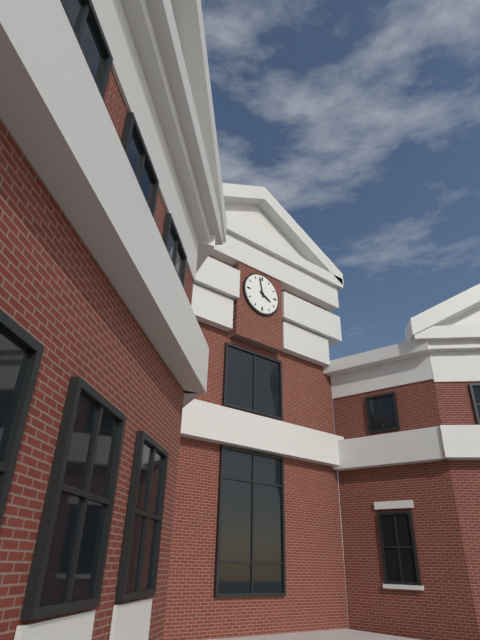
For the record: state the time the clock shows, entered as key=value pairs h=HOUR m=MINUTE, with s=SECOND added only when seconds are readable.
h=3 m=58
